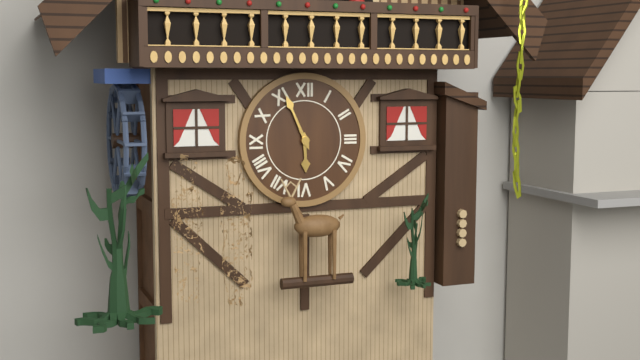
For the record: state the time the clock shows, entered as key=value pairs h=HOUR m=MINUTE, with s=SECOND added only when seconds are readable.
h=5 m=56
